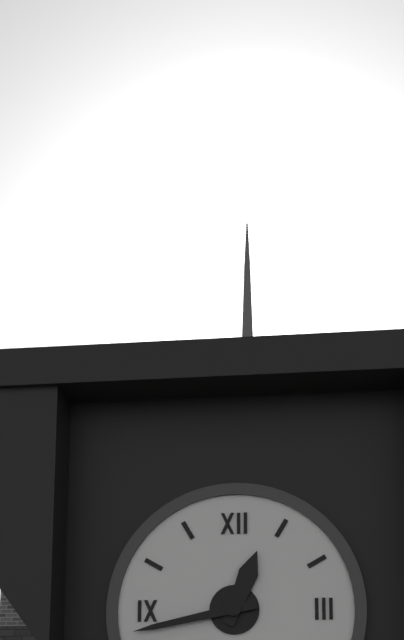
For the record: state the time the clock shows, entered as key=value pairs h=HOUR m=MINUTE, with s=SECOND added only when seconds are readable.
h=12 m=43
